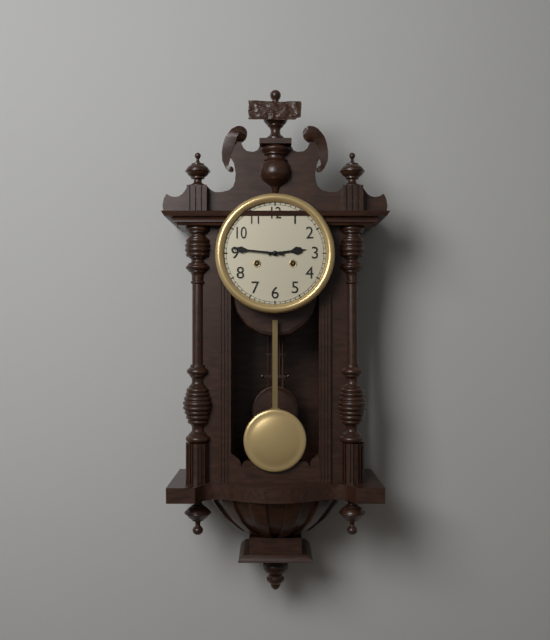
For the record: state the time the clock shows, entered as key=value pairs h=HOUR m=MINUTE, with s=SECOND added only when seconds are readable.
h=2 m=46
